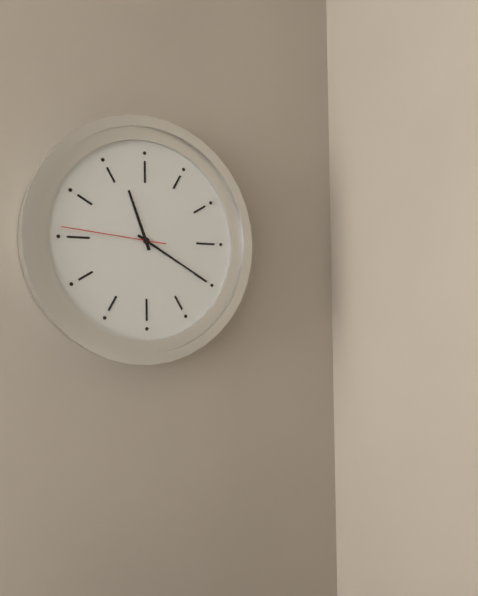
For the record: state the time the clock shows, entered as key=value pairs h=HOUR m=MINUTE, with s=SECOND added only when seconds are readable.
h=11 m=20 s=46
